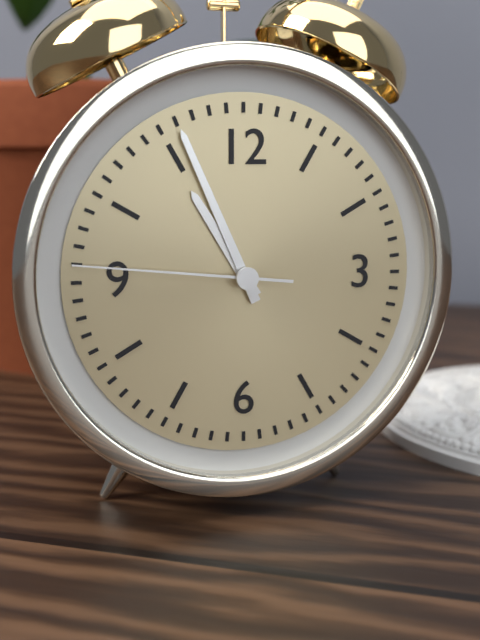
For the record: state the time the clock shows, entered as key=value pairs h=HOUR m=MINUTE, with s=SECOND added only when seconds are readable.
h=10 m=56 s=46
